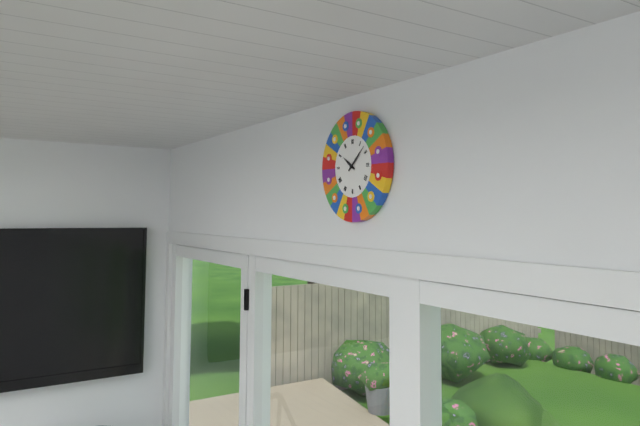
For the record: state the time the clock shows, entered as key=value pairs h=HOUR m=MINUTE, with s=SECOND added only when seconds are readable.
h=10 m=8
